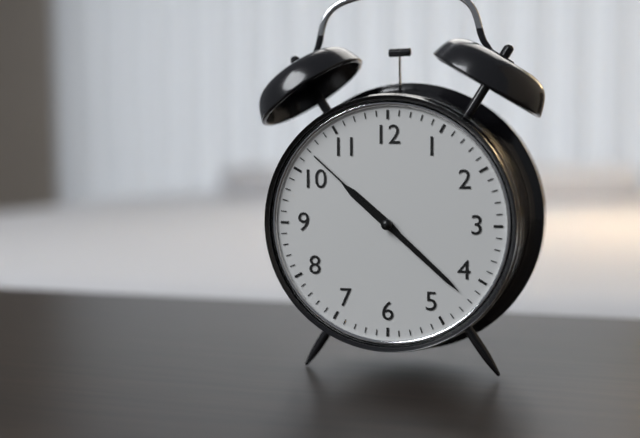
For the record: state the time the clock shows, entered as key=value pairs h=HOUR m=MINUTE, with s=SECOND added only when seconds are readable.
h=10 m=22 s=52
